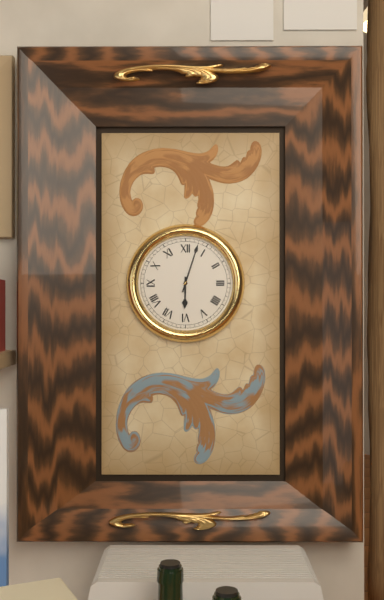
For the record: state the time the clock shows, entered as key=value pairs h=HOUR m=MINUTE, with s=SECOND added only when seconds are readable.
h=6 m=3
